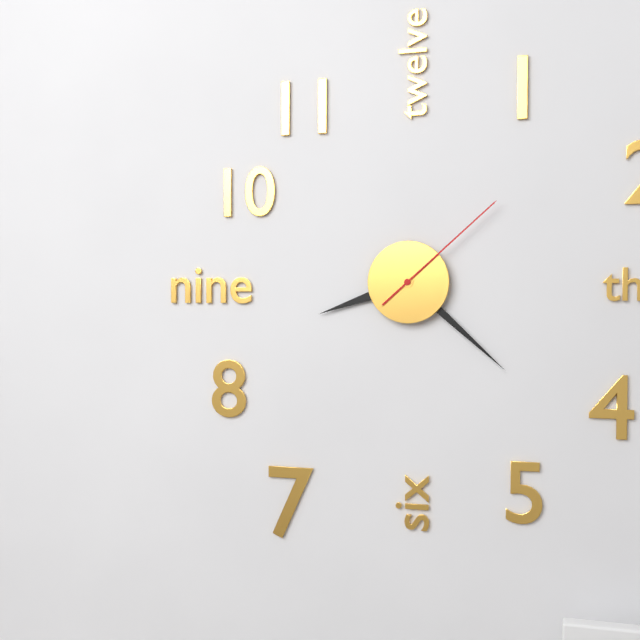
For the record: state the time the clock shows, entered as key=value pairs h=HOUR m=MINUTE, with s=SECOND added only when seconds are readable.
h=8 m=22 s=8
